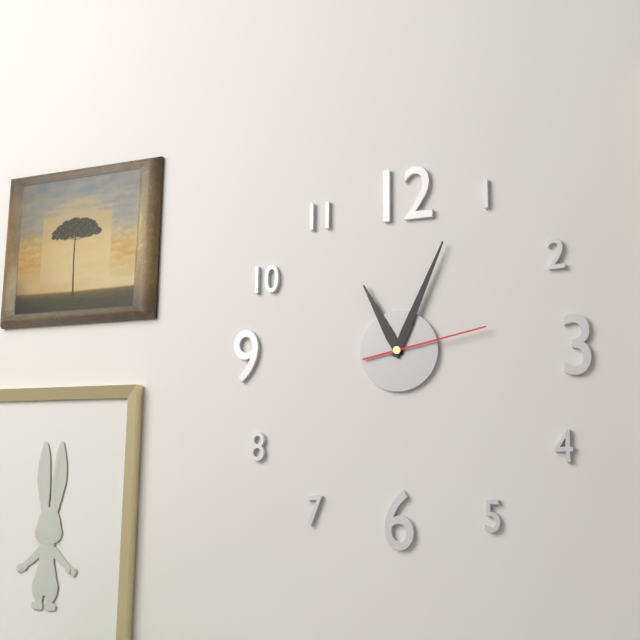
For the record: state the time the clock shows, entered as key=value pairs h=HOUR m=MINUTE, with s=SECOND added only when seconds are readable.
h=11 m=4 s=13
